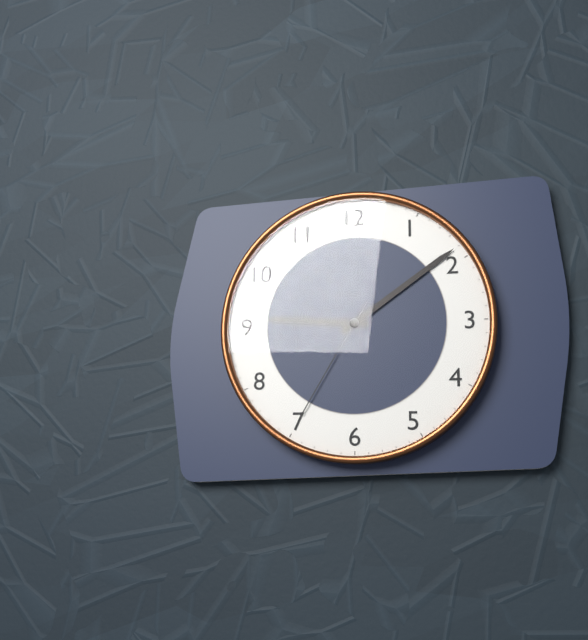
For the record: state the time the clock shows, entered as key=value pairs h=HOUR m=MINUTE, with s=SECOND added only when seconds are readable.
h=9 m=9 s=35
